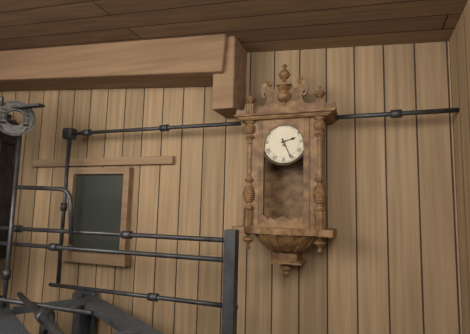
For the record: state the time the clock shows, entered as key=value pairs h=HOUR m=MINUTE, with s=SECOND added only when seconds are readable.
h=2 m=26
